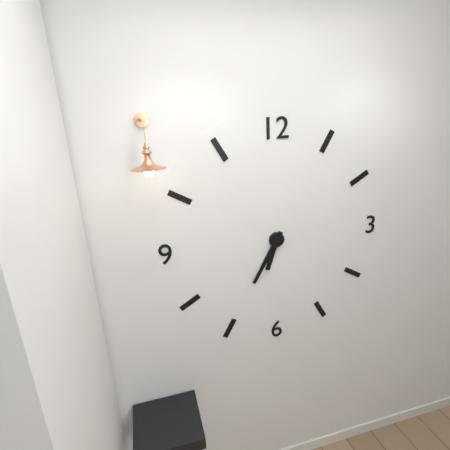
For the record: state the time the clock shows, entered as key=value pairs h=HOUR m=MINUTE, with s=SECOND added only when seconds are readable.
h=6 m=35
